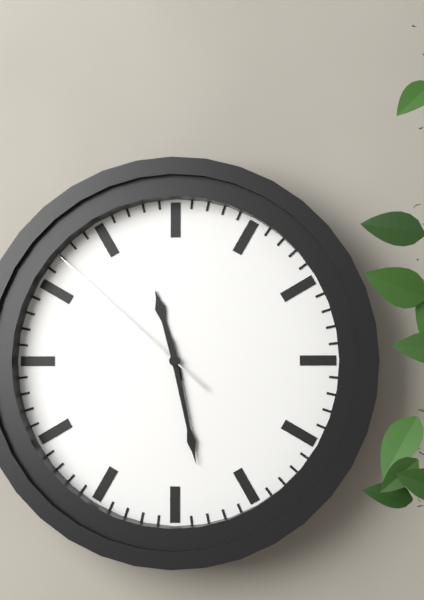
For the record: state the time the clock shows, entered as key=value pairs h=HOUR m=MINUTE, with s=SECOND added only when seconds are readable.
h=11 m=28 s=52
